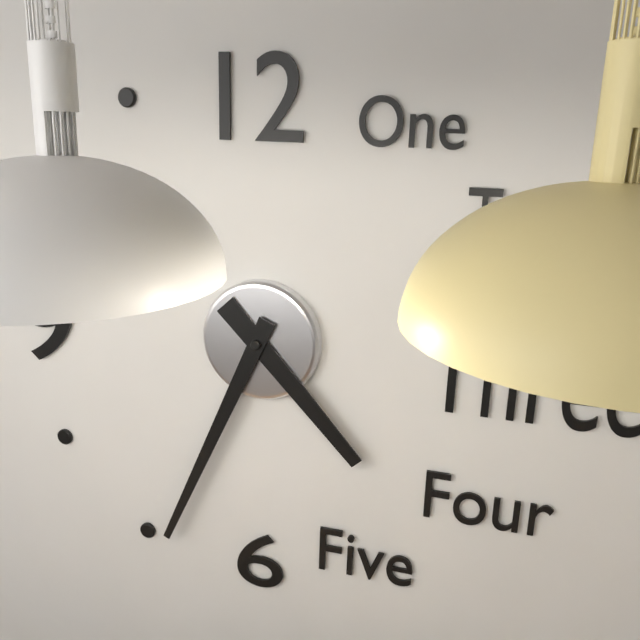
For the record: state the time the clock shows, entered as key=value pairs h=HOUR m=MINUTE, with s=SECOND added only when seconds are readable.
h=4 m=34
